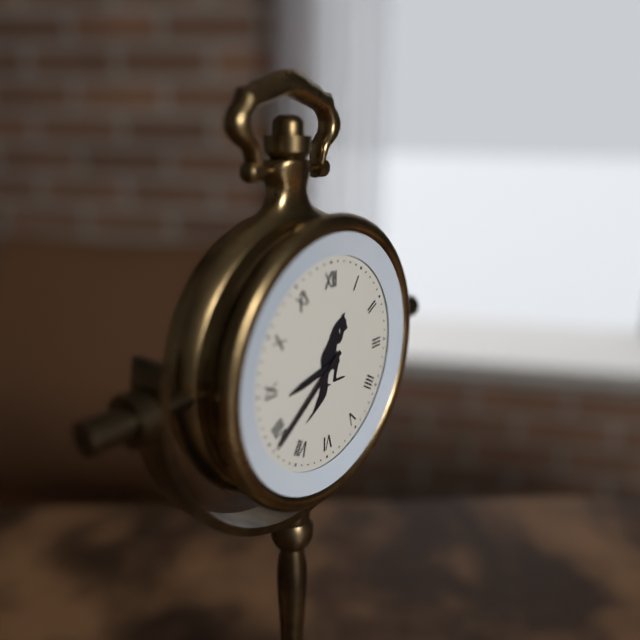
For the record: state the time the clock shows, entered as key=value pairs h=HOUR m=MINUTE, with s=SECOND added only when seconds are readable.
h=8 m=39
